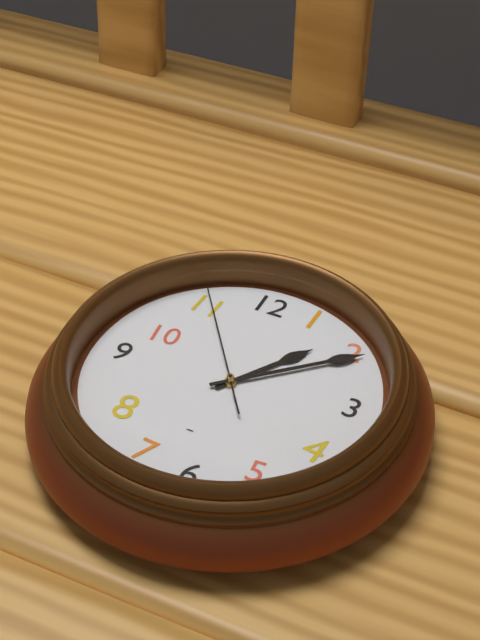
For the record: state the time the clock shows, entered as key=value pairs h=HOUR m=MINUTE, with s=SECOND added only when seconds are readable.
h=1 m=8 s=54
